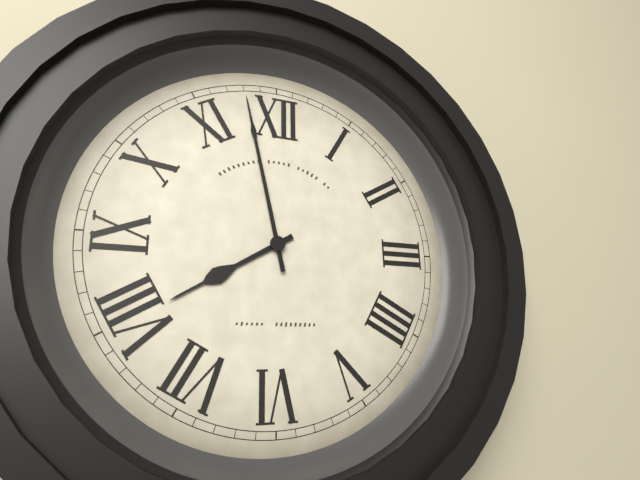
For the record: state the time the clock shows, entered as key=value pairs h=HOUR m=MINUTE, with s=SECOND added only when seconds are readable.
h=7 m=58
